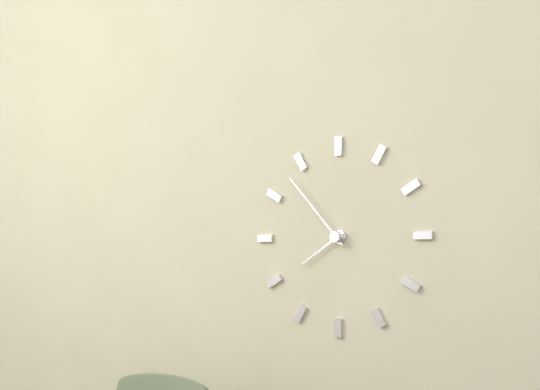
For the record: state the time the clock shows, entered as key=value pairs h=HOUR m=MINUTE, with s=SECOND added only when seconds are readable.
h=7 m=53
